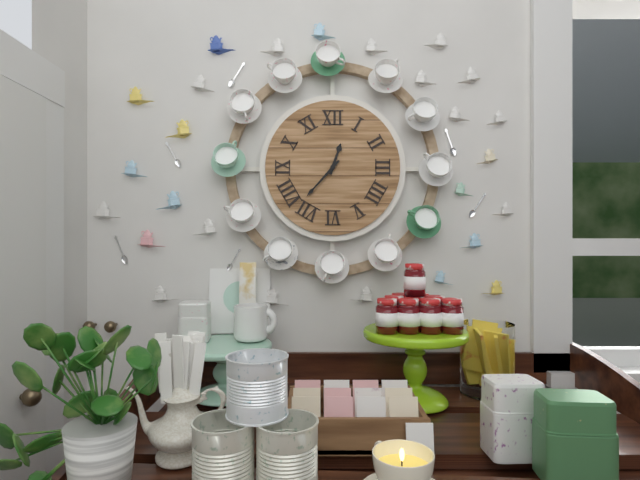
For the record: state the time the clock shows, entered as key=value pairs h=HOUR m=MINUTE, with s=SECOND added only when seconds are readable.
h=12 m=37
